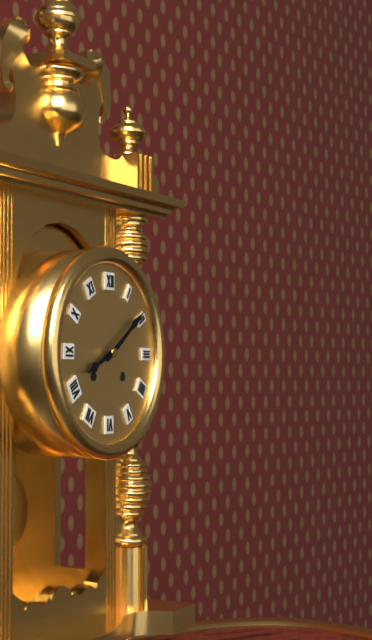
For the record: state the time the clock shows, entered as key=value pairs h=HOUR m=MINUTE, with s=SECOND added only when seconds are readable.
h=8 m=9
